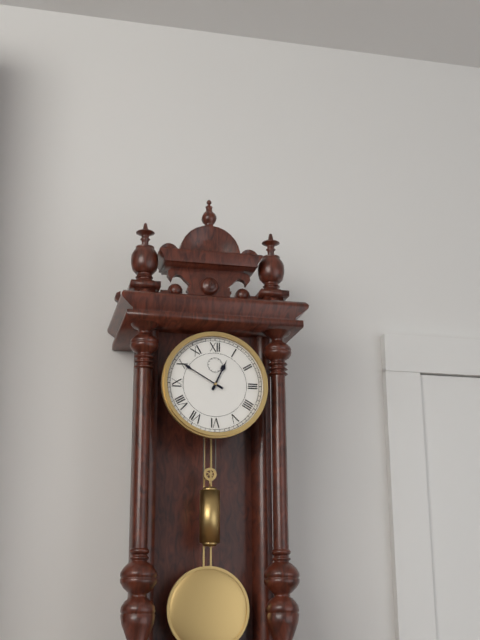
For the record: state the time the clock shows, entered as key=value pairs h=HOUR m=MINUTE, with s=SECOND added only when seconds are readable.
h=12 m=50
